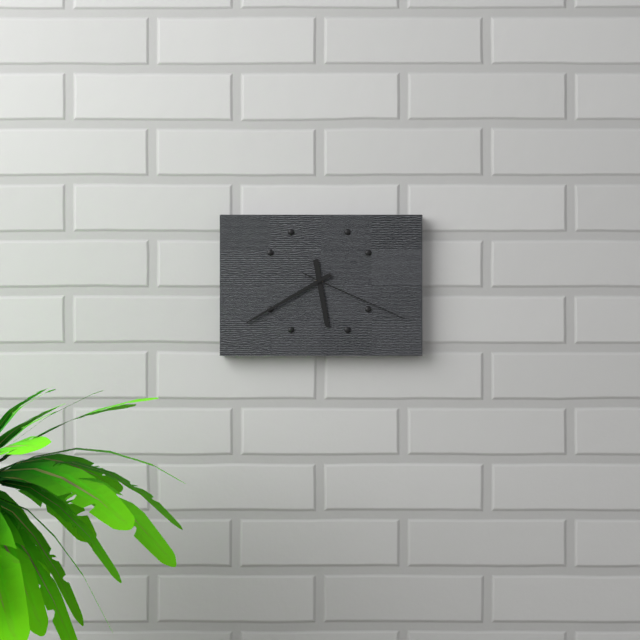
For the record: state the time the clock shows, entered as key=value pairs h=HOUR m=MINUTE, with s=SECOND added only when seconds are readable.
h=5 m=40 s=19
